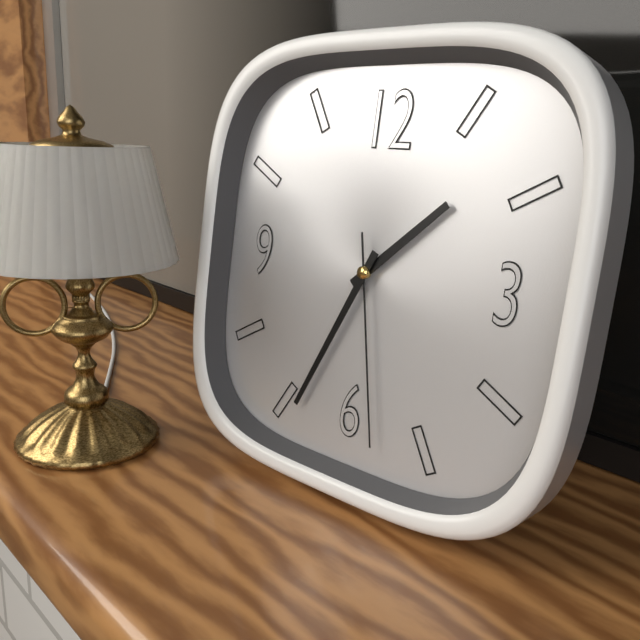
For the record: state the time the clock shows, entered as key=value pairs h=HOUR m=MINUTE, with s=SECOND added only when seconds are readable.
h=1 m=34 s=28
